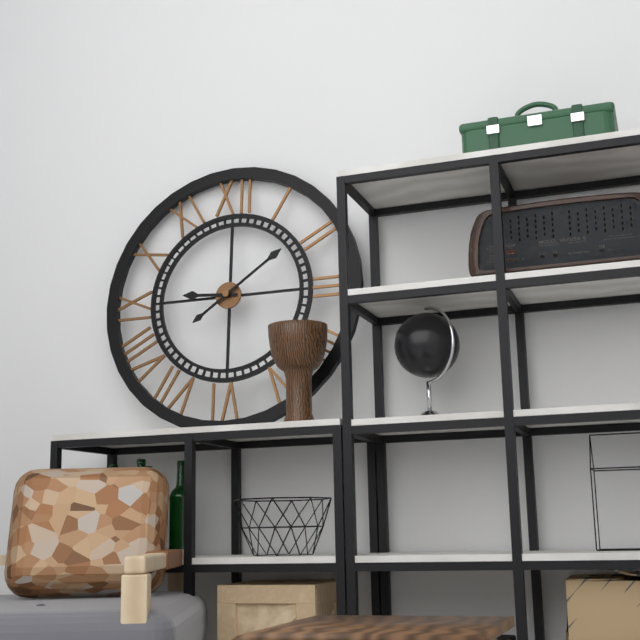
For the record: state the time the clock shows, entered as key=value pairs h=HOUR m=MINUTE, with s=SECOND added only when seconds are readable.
h=9 m=9
